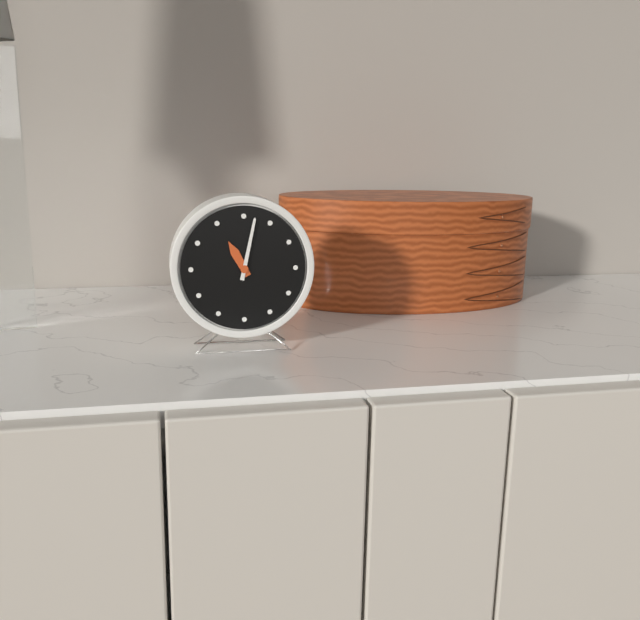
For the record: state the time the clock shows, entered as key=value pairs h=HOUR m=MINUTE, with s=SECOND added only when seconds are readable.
h=11 m=2
